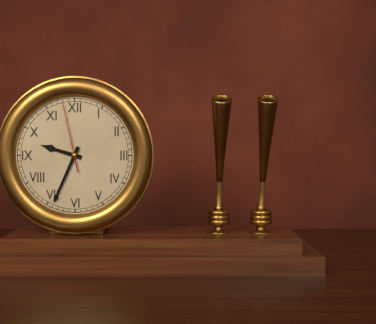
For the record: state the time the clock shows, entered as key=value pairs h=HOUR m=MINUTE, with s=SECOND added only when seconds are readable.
h=9 m=34 s=58
